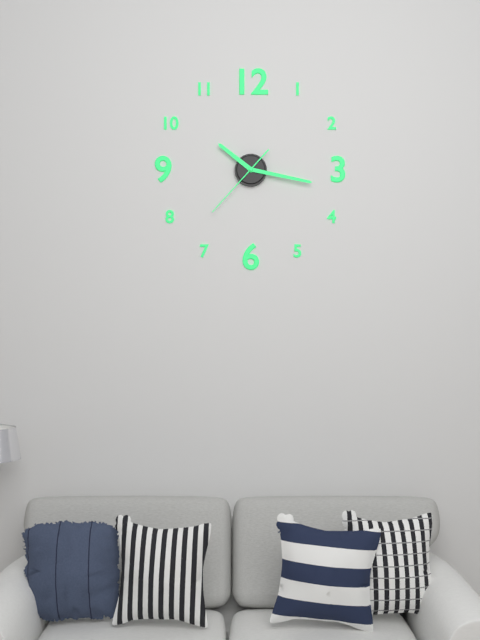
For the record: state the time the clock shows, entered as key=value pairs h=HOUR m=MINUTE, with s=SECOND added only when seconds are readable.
h=10 m=17 s=37
